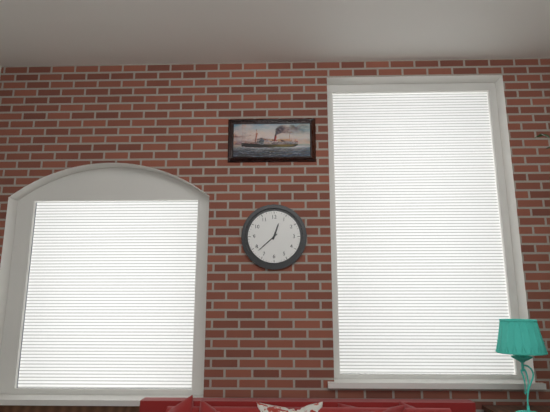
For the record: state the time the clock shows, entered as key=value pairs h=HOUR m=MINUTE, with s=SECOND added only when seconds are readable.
h=12 m=38
